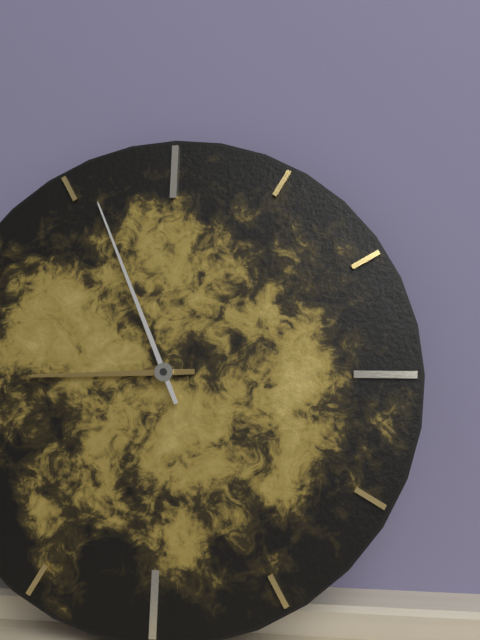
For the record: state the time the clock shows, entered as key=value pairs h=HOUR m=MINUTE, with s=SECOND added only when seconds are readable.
h=8 m=56
